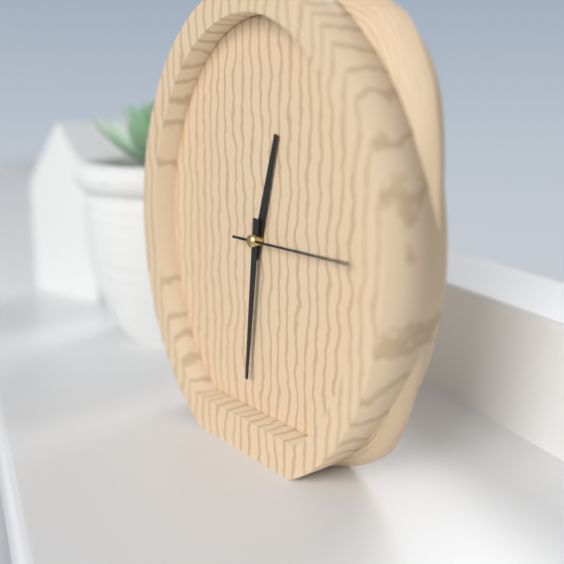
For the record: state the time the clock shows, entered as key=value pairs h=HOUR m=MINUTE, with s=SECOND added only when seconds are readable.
h=12 m=31 s=15
